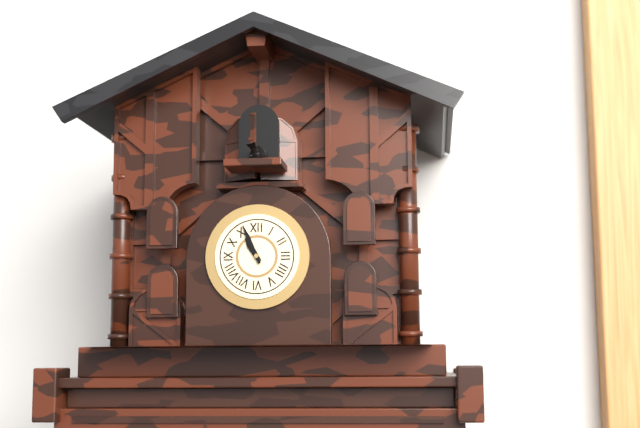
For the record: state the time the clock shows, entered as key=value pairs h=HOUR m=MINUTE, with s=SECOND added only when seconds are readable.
h=10 m=56
